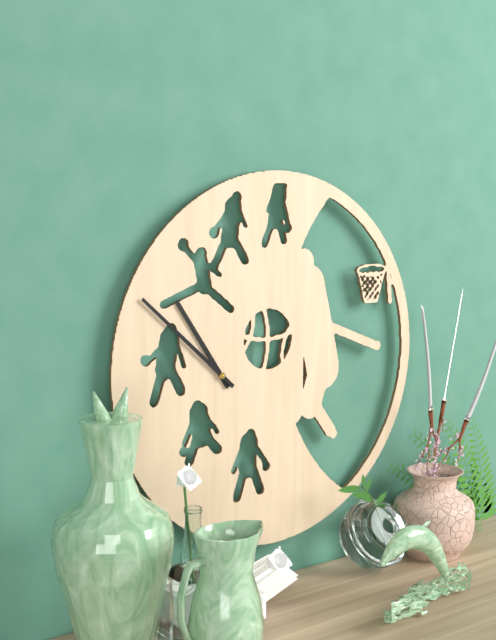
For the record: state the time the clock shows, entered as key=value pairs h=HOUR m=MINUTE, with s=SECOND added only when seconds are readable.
h=10 m=52
